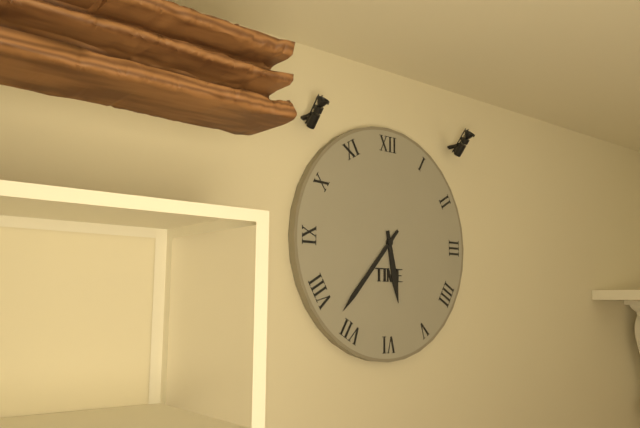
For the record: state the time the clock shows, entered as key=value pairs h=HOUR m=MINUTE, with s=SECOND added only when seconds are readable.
h=5 m=37
